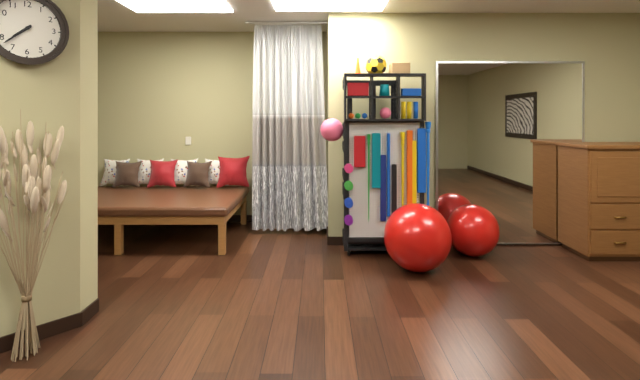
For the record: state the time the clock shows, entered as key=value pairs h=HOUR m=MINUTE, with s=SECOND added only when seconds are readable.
h=7 m=38
